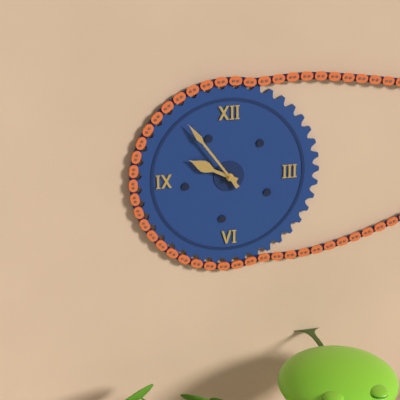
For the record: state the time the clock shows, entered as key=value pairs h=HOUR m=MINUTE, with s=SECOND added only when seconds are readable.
h=9 m=54
